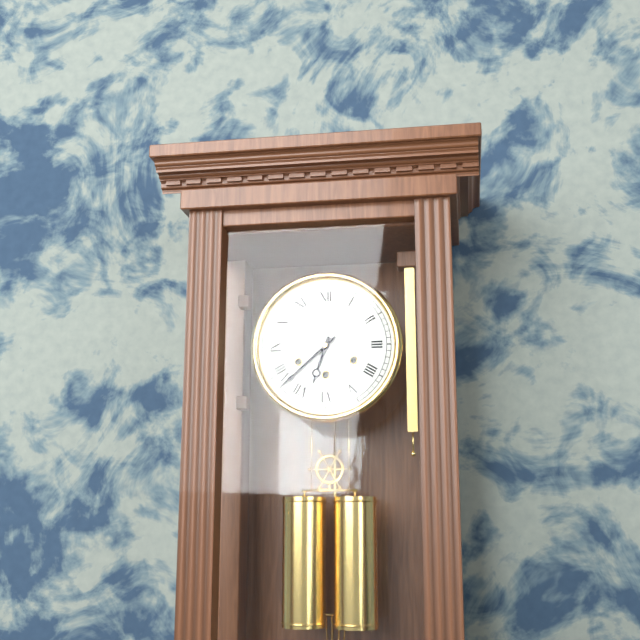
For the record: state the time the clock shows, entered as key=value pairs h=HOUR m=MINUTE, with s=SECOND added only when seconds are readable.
h=6 m=38
